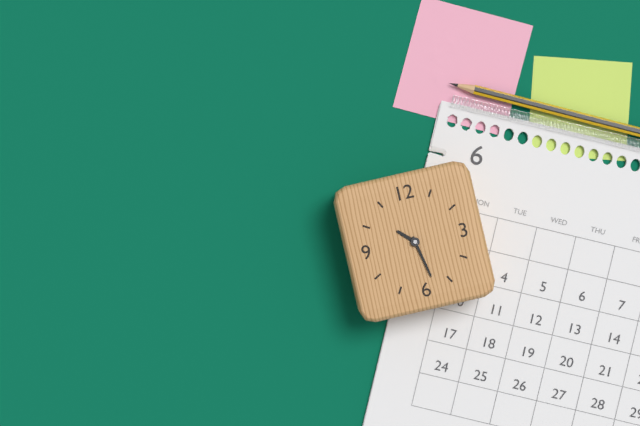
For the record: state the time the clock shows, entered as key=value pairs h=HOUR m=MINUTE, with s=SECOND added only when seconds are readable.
h=10 m=28
